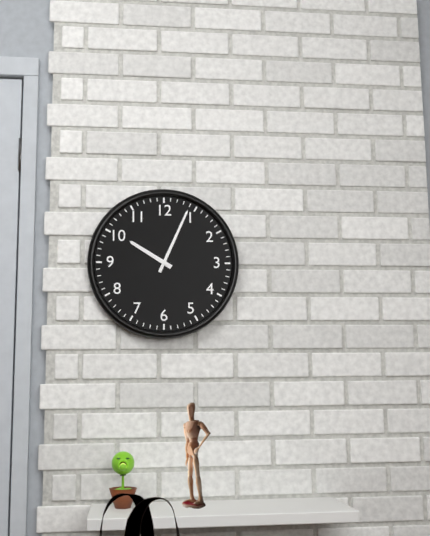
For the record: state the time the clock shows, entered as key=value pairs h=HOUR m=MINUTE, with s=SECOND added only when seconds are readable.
h=10 m=4
